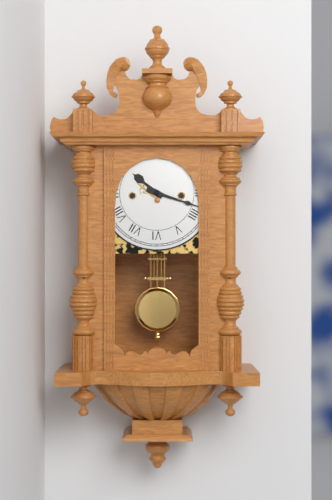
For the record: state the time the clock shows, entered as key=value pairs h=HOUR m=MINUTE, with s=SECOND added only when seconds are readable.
h=10 m=18
